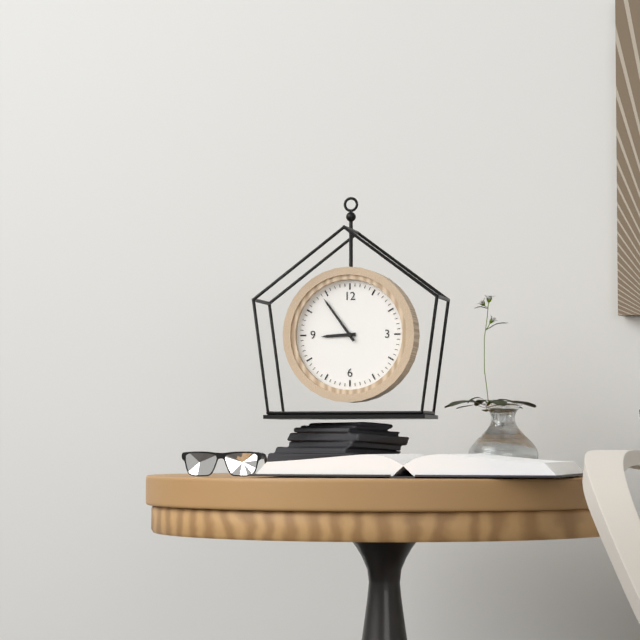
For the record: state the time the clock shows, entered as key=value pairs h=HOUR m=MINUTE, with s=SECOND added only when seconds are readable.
h=8 m=54
